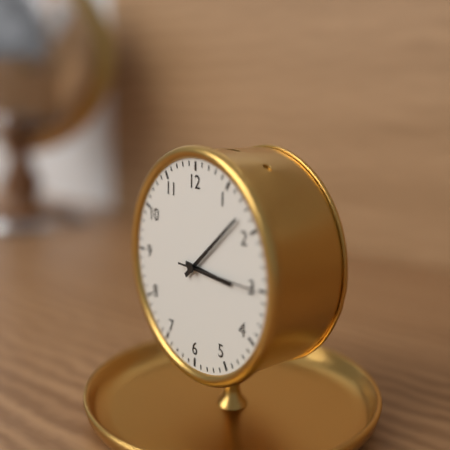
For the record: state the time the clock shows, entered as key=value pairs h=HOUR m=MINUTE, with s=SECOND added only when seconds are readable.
h=3 m=8 s=15
